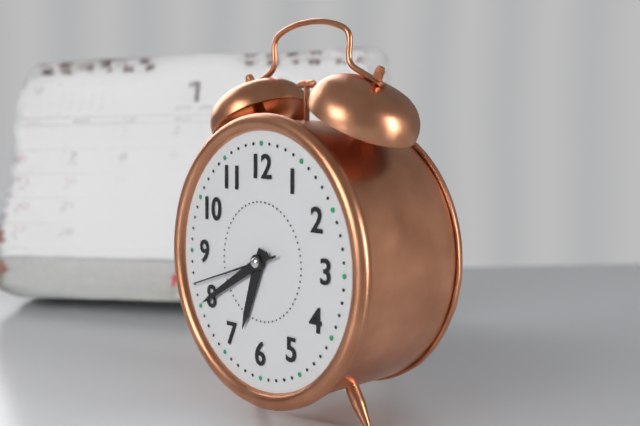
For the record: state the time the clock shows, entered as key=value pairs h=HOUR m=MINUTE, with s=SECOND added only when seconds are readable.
h=6 m=40 s=42
